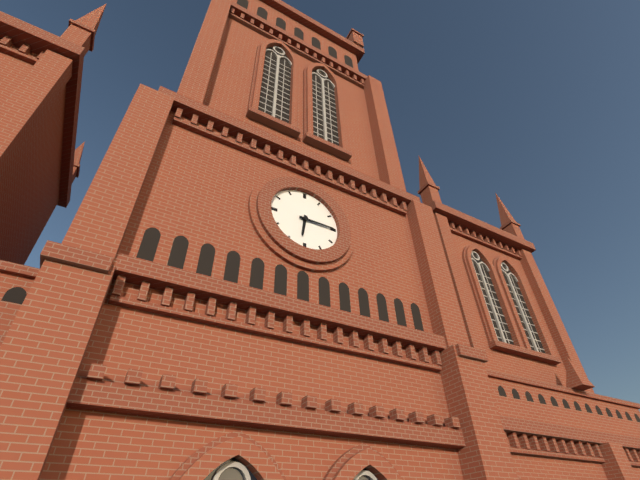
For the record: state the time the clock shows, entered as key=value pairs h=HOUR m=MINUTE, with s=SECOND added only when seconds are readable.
h=6 m=15
